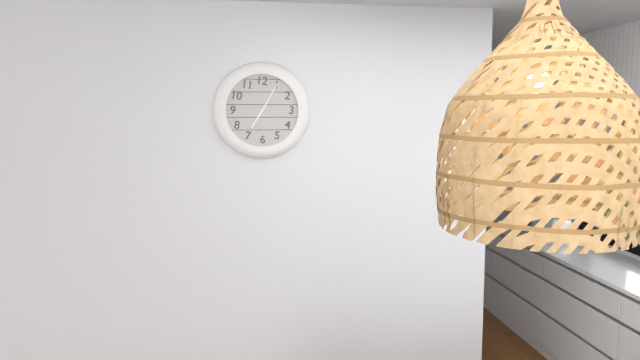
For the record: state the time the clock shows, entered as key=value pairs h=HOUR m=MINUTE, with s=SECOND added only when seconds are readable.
h=7 m=5
